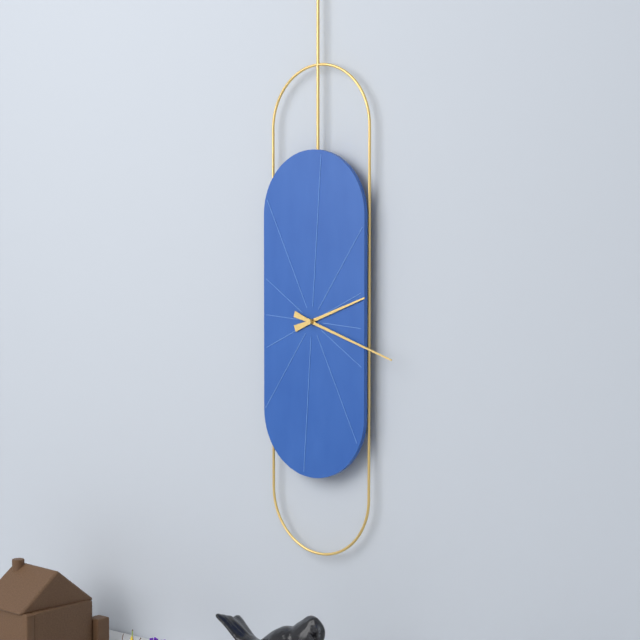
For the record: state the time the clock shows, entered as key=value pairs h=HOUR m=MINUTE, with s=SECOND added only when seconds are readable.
h=2 m=18
